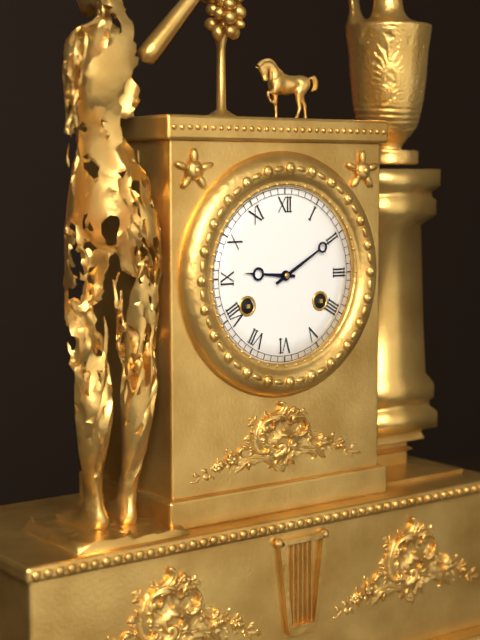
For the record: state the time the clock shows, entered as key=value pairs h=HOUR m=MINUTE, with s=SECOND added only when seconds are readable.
h=9 m=10
